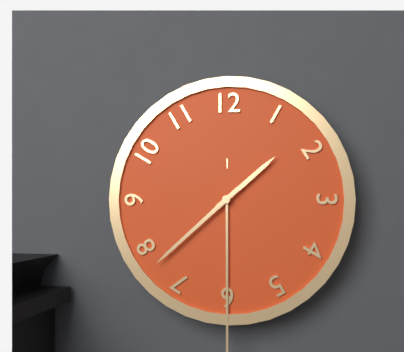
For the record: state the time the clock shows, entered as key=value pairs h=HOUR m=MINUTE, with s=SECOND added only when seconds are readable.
h=1 m=38
